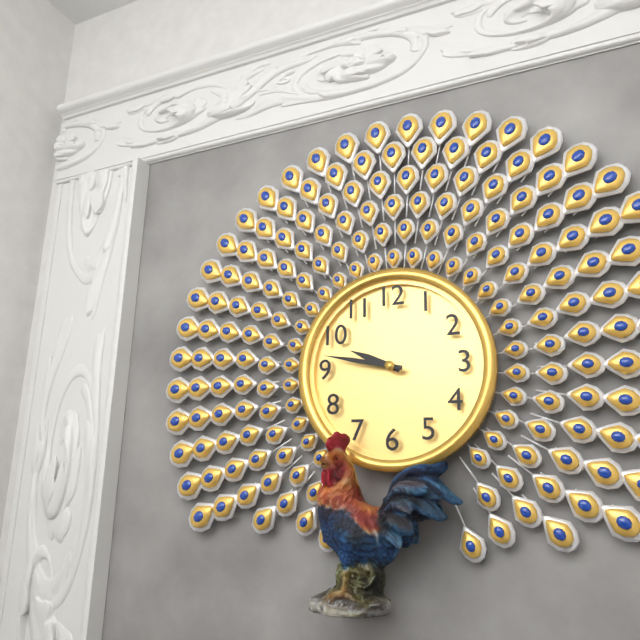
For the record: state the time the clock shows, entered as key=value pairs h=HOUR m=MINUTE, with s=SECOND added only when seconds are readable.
h=9 m=47
